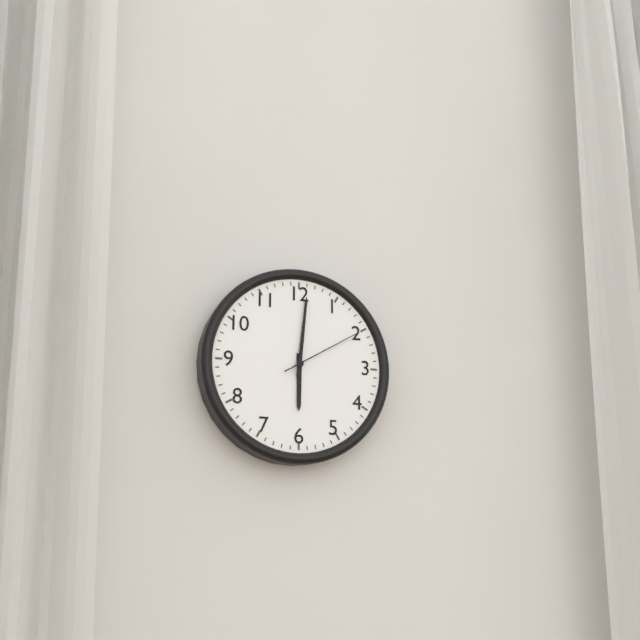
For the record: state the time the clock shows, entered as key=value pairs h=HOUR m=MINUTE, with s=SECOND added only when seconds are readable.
h=6 m=1 s=10
